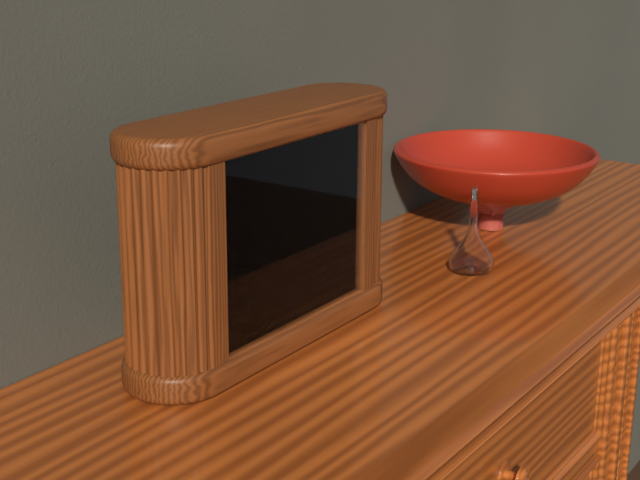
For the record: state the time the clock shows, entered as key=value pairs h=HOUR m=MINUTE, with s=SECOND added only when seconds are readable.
h=3 m=54
